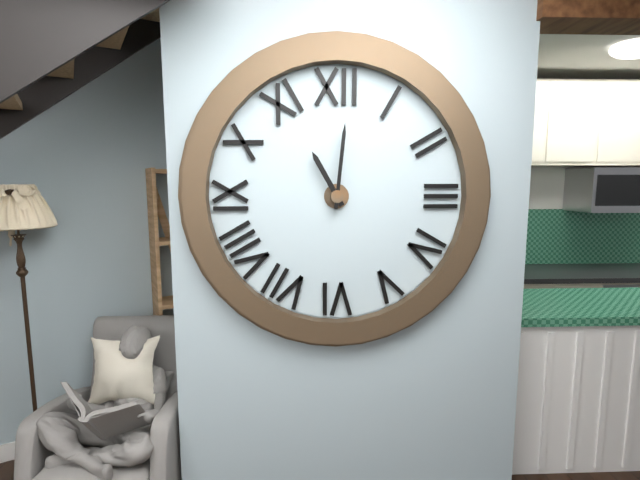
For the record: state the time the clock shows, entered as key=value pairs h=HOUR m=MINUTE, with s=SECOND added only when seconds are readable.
h=11 m=1
